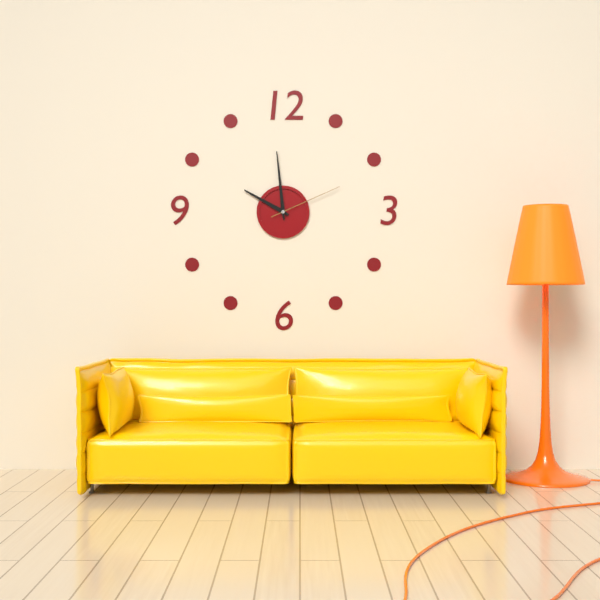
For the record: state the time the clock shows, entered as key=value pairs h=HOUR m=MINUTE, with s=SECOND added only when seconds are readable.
h=9 m=59 s=11
